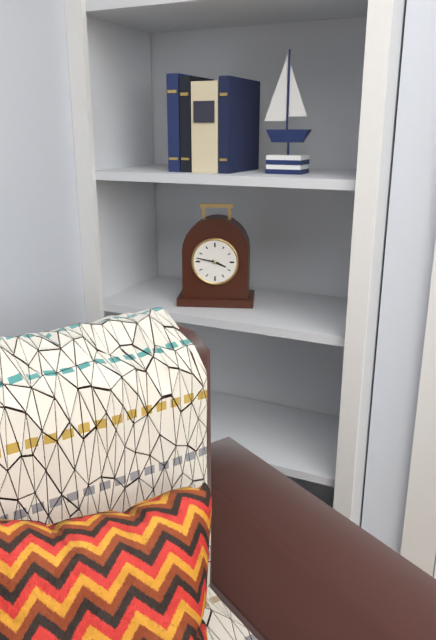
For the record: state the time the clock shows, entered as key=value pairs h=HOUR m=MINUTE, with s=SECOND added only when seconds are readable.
h=3 m=47
